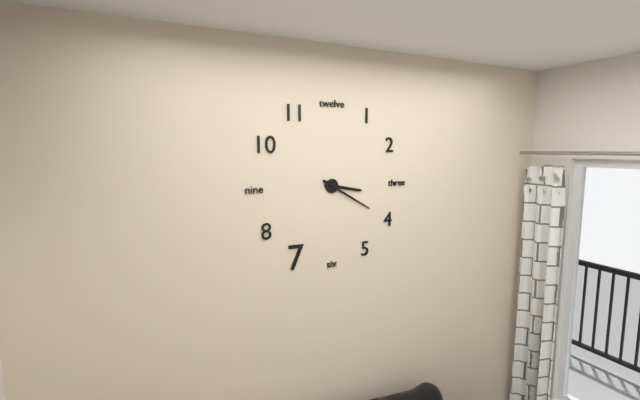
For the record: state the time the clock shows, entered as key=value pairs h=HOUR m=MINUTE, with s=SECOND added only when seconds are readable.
h=3 m=20
